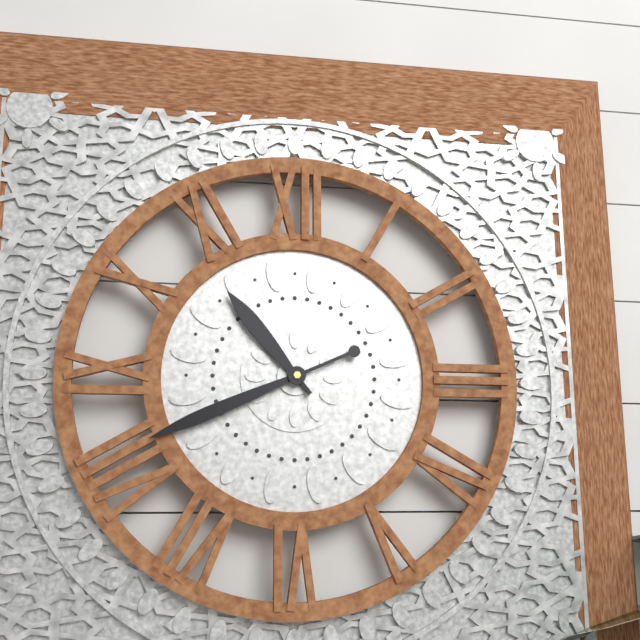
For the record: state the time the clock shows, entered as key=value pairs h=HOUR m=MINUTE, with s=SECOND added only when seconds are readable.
h=10 m=41
